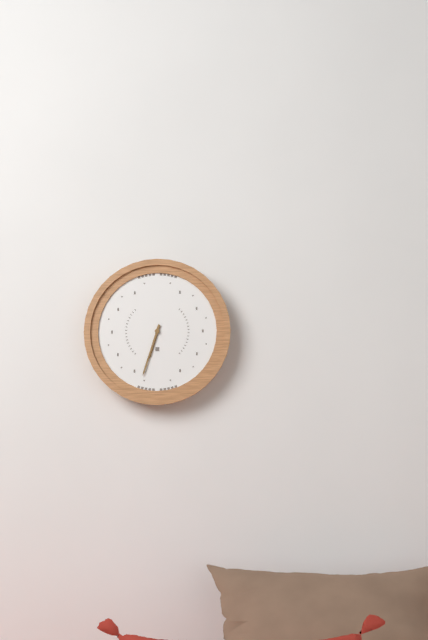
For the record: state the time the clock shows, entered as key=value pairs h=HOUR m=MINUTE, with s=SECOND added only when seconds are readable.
h=6 m=33
